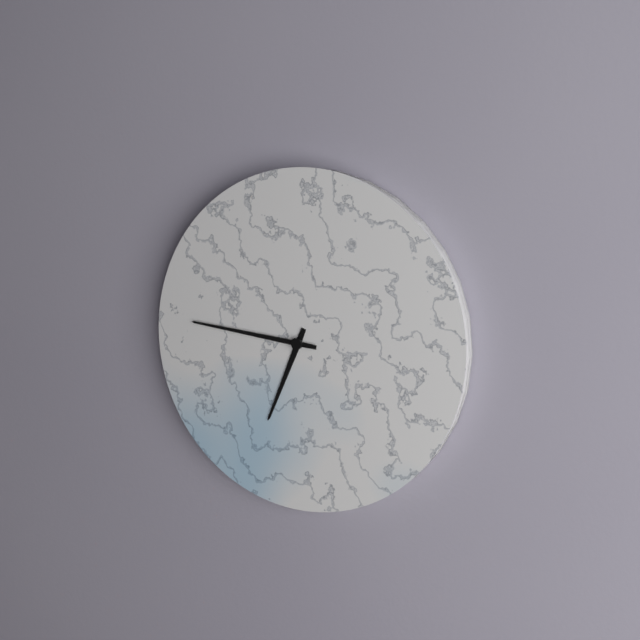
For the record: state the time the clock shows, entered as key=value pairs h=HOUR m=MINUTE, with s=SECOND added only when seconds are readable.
h=6 m=46
